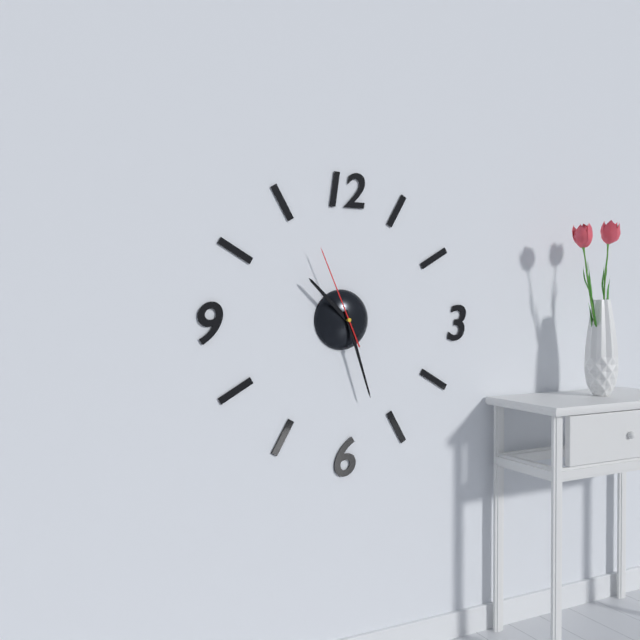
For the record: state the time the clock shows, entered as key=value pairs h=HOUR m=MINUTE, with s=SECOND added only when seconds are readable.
h=10 m=27 s=56
